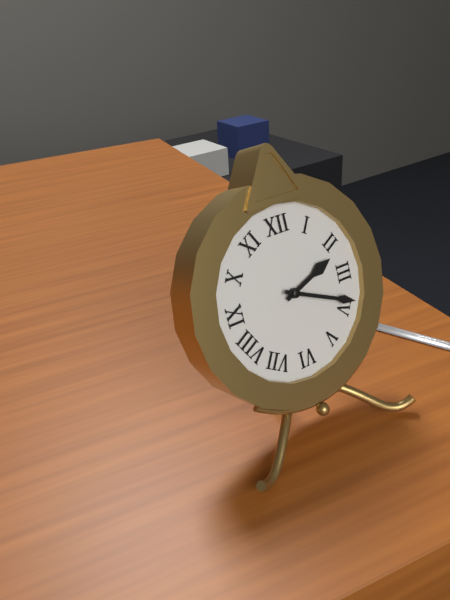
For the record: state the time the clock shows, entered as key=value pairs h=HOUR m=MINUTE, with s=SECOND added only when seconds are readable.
h=2 m=19
